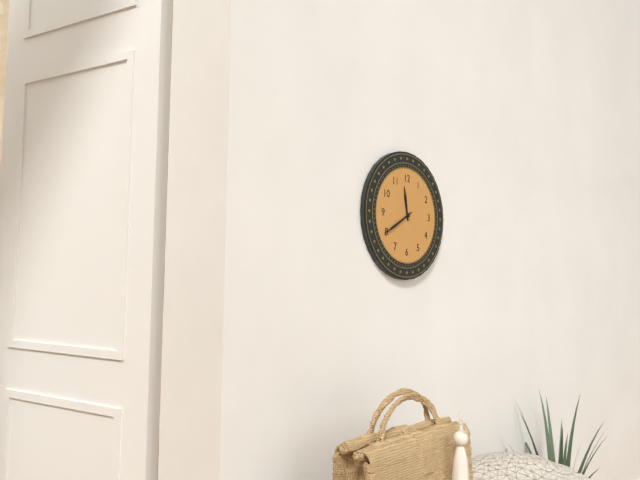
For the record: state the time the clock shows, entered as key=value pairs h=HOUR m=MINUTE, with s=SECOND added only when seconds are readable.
h=11 m=40
